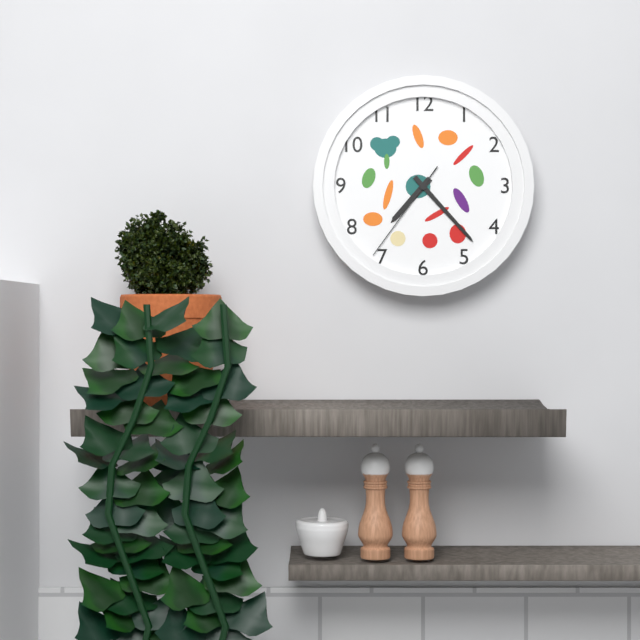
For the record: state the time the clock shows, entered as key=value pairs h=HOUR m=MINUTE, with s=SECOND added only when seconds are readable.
h=7 m=23 s=36
